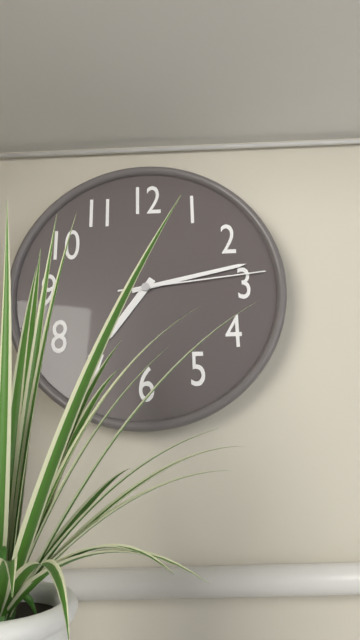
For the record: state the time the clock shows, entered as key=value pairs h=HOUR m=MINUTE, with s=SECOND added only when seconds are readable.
h=7 m=13 s=14
